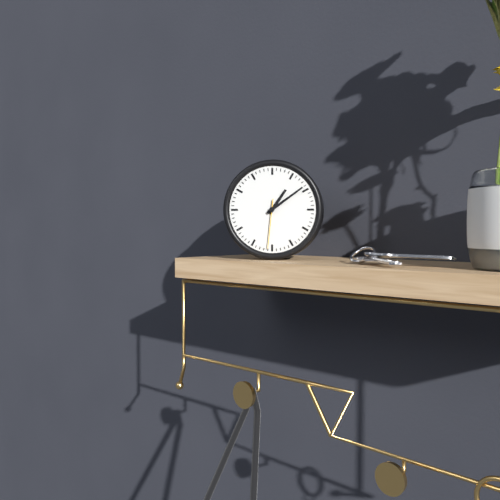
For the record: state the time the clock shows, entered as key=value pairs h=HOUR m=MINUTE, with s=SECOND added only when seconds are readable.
h=1 m=9
